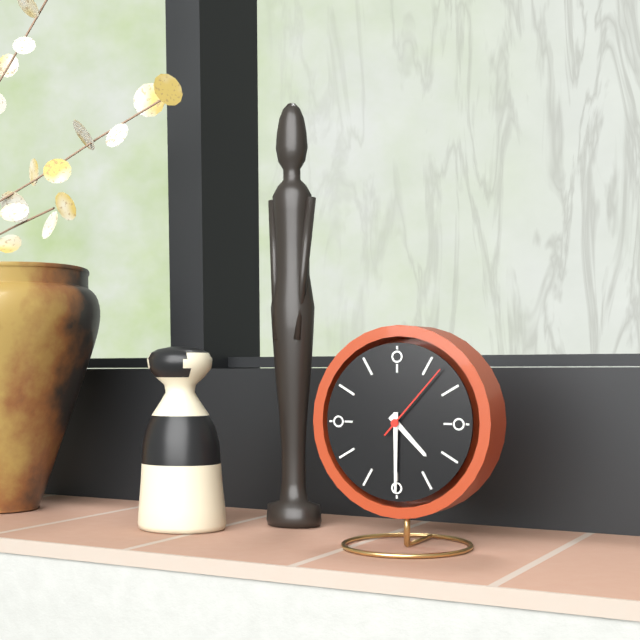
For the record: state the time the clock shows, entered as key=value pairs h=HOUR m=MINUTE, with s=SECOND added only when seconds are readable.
h=4 m=30 s=7
